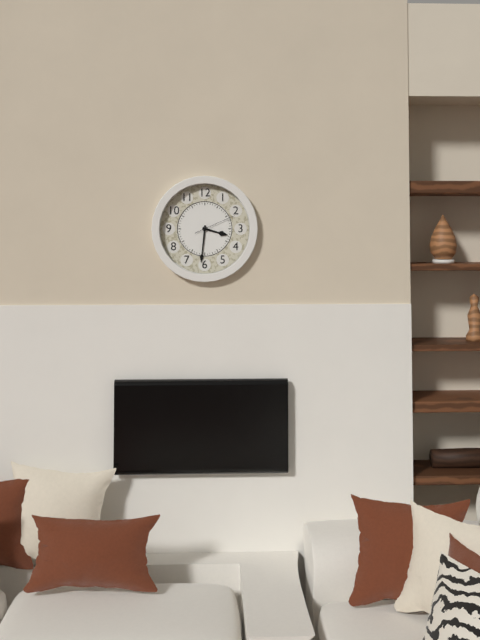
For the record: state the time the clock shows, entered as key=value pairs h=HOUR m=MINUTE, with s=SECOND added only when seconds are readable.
h=3 m=31
